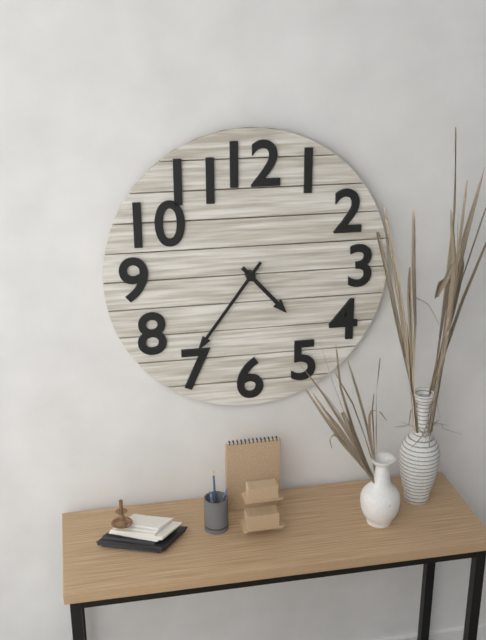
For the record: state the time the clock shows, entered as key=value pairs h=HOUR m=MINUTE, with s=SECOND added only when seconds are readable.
h=4 m=36
